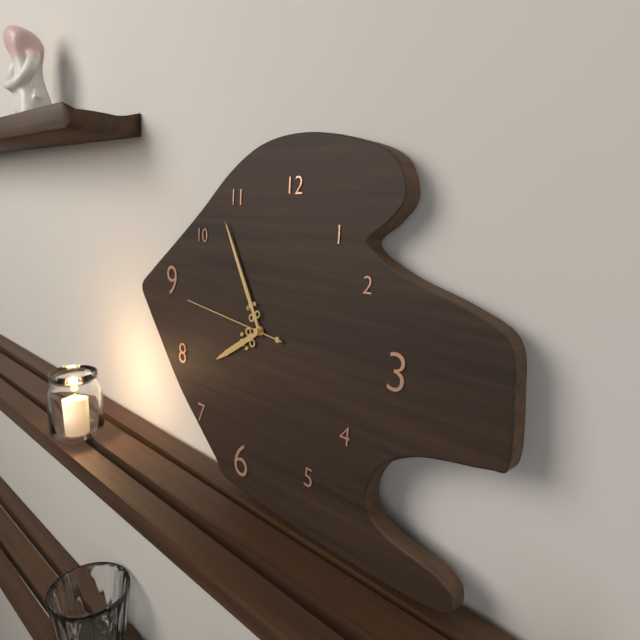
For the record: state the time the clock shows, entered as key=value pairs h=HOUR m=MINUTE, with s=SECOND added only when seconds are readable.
h=7 m=55 s=46
